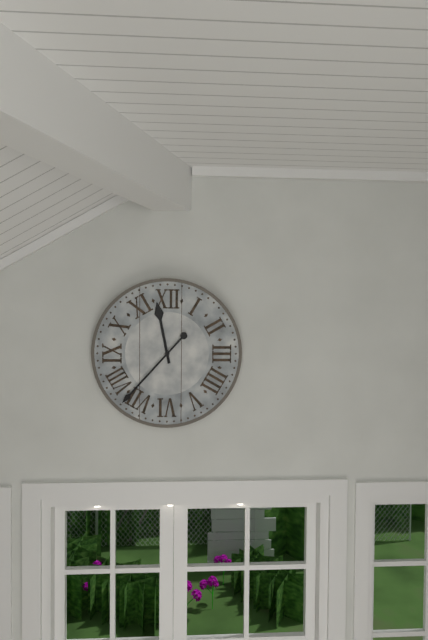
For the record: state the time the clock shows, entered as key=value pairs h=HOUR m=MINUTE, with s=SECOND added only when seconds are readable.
h=11 m=37
